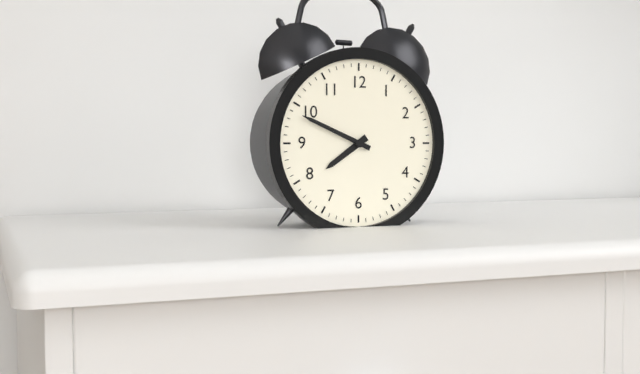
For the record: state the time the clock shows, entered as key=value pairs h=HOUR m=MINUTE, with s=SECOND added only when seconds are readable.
h=7 m=49
